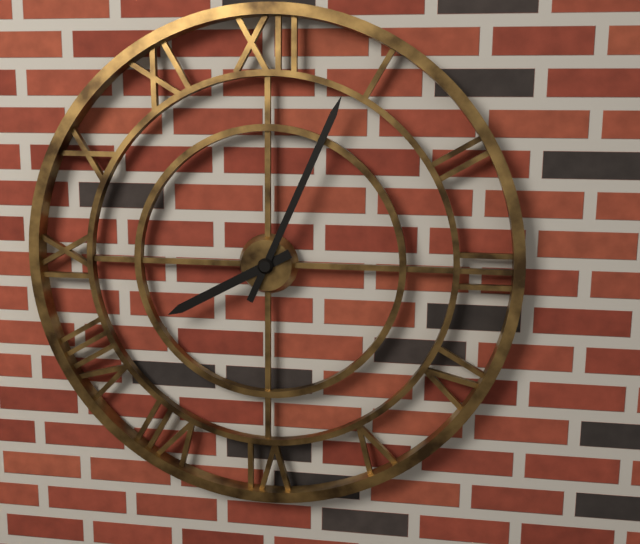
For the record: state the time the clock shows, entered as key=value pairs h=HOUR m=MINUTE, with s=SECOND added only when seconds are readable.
h=8 m=4
